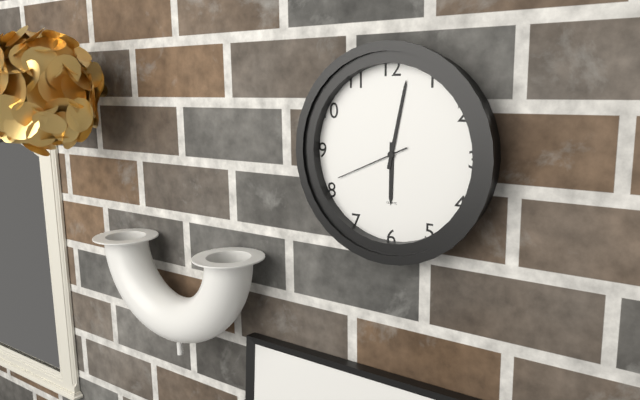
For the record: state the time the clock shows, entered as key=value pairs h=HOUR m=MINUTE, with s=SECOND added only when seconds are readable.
h=6 m=2 s=41
